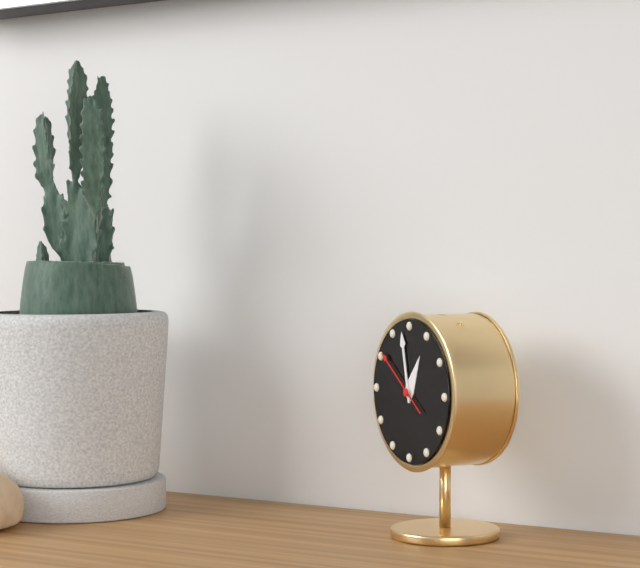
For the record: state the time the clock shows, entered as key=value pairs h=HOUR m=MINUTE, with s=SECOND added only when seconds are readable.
h=12 m=58 s=51
